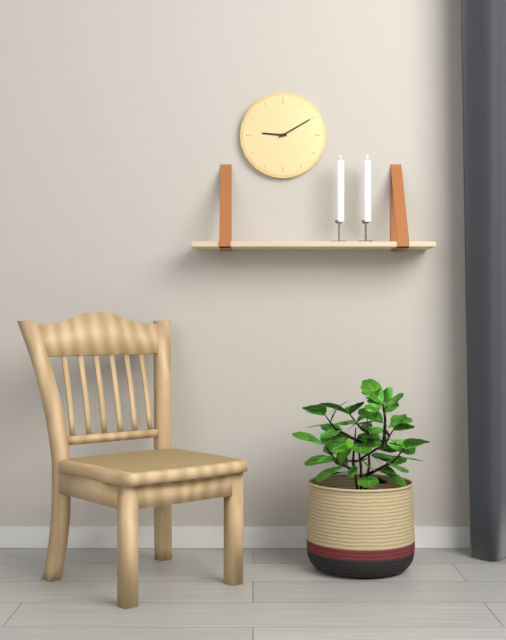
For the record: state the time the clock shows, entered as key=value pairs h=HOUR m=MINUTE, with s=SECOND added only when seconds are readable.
h=9 m=10
